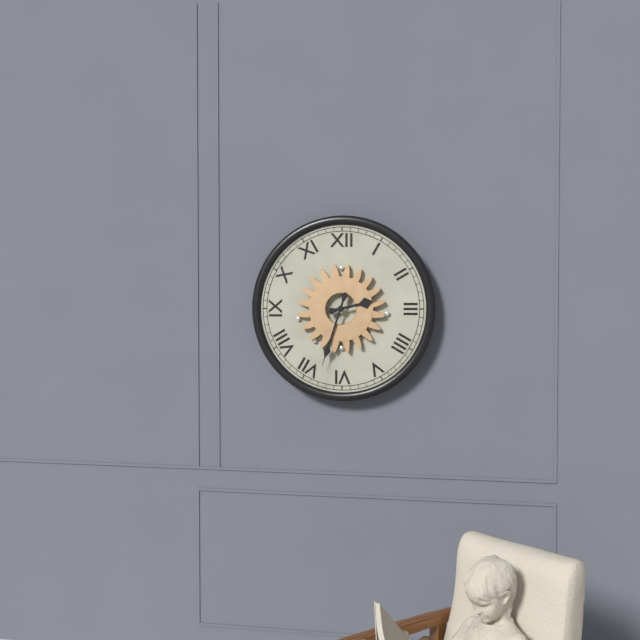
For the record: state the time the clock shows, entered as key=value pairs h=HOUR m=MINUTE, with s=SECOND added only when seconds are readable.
h=2 m=33
